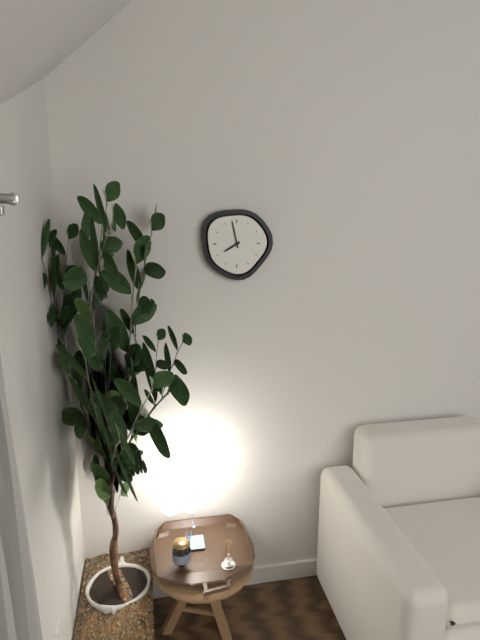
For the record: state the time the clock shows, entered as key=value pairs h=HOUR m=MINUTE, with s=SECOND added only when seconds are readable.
h=7 m=58
